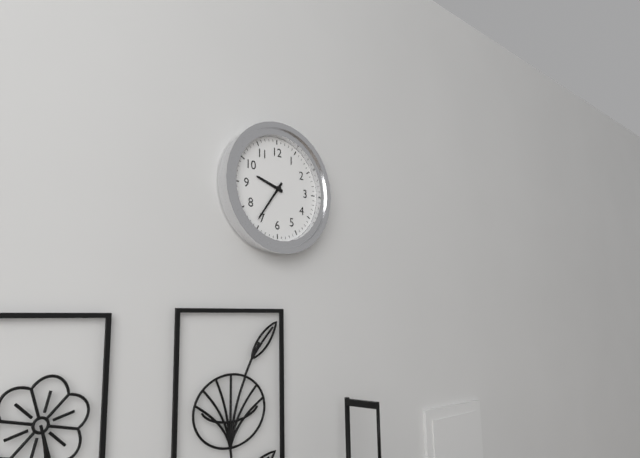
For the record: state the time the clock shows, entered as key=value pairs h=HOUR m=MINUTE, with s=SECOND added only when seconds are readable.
h=9 m=36
